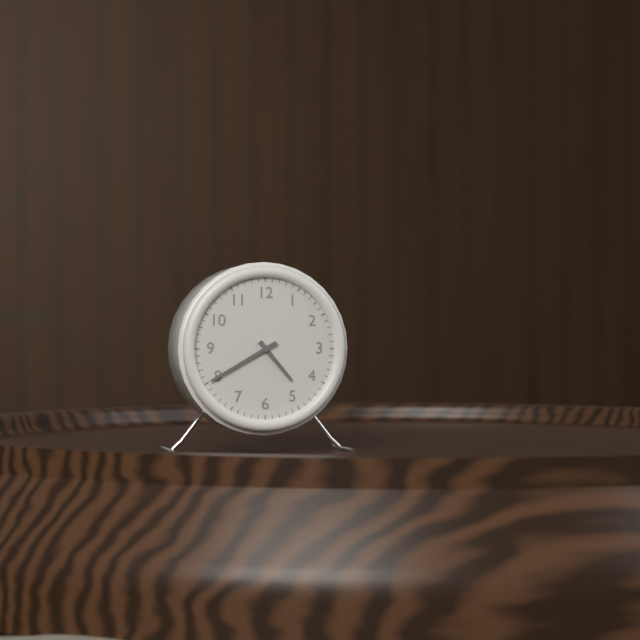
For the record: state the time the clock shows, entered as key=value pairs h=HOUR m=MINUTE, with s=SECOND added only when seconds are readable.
h=4 m=40
